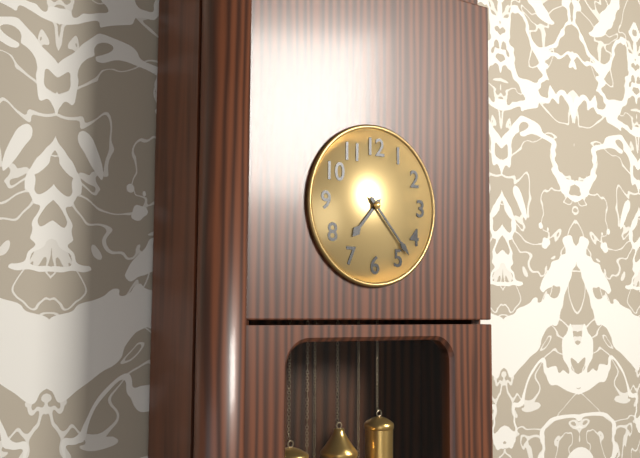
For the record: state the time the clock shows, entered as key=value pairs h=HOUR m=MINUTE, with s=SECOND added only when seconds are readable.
h=7 m=23
